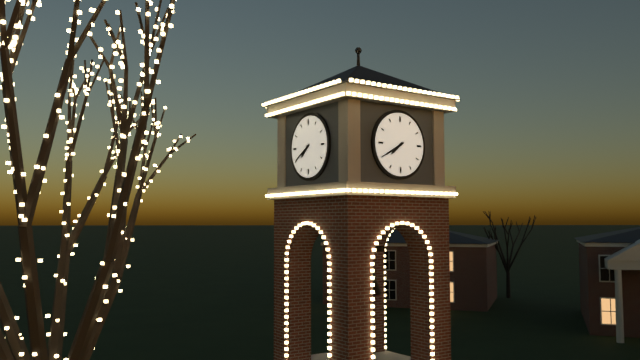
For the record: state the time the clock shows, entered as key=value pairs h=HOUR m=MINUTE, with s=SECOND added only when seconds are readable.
h=7 m=40
